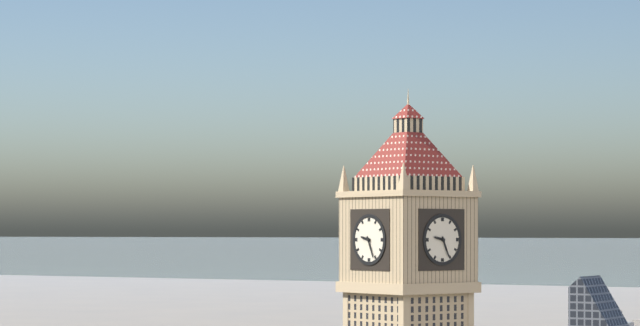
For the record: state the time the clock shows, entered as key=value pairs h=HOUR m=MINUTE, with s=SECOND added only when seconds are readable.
h=9 m=26
